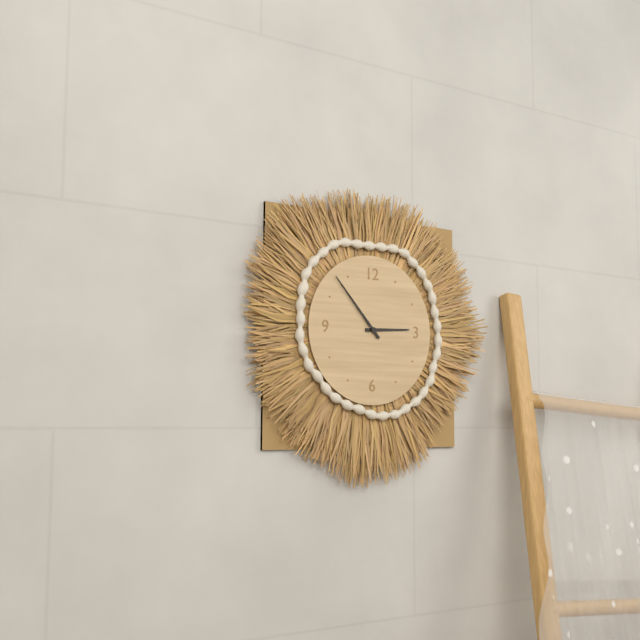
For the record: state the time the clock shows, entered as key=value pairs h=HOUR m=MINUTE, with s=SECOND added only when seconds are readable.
h=2 m=53
